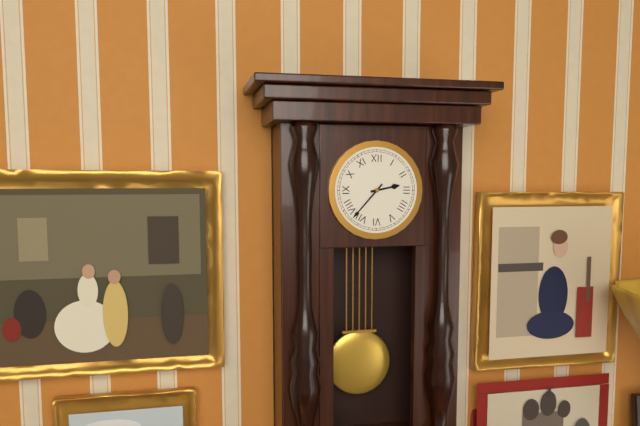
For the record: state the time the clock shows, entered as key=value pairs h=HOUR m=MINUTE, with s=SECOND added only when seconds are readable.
h=2 m=37
